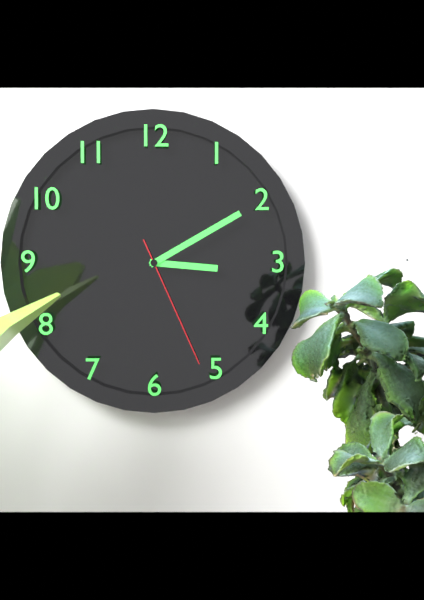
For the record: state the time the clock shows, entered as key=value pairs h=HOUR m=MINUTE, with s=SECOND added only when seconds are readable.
h=3 m=10 s=26
